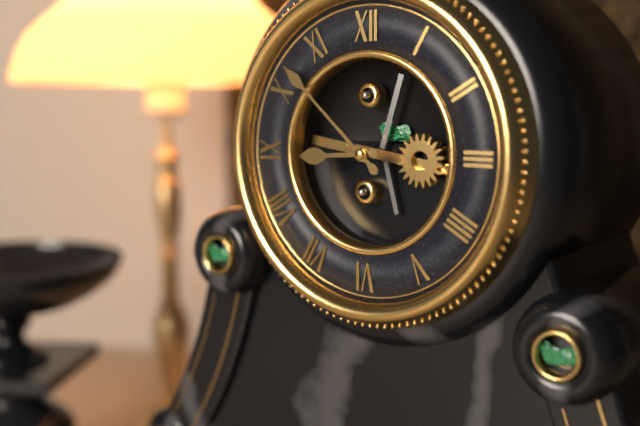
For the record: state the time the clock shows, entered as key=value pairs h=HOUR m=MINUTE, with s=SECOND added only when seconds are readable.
h=8 m=52
